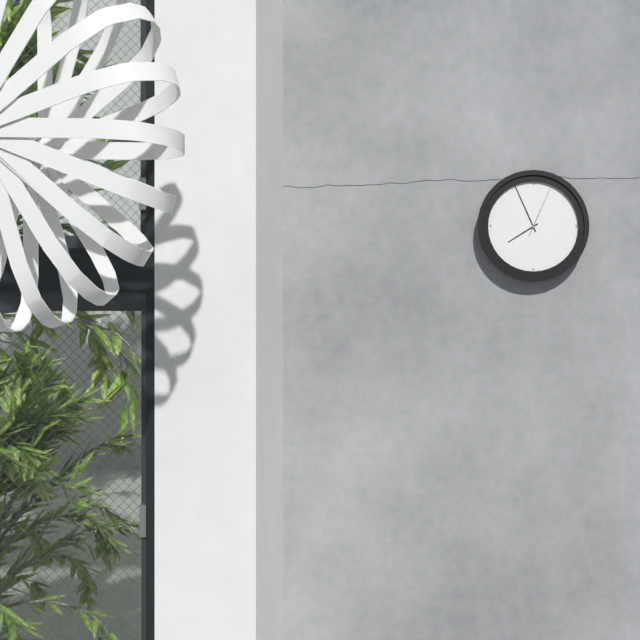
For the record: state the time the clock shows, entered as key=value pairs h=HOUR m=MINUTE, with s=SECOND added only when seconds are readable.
h=7 m=56 s=4
